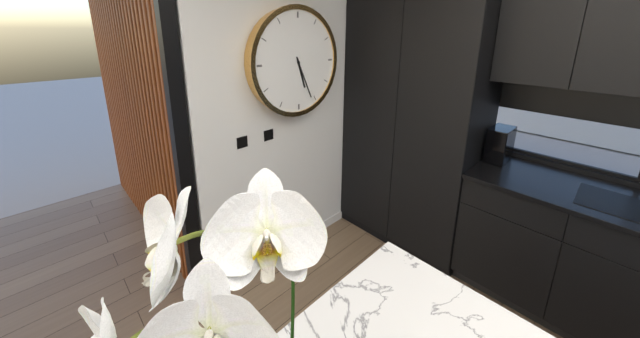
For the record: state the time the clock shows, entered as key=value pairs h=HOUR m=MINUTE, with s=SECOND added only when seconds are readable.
h=5 m=26
